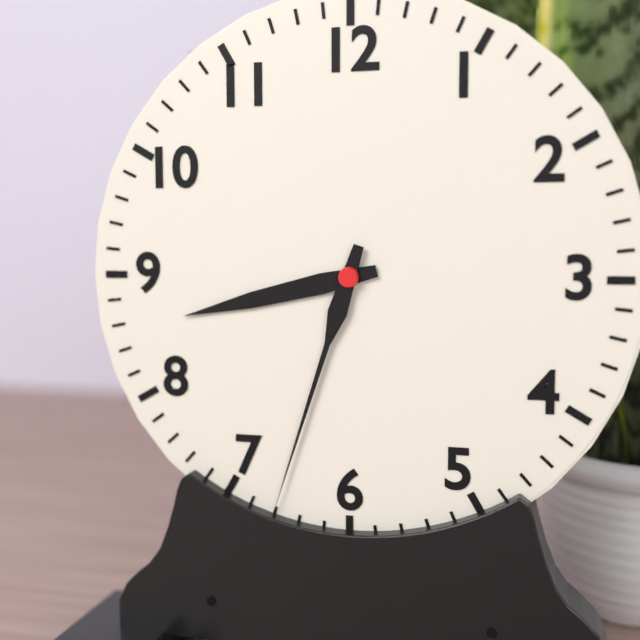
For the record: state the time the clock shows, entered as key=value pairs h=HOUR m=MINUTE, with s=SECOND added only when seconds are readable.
h=8 m=33
